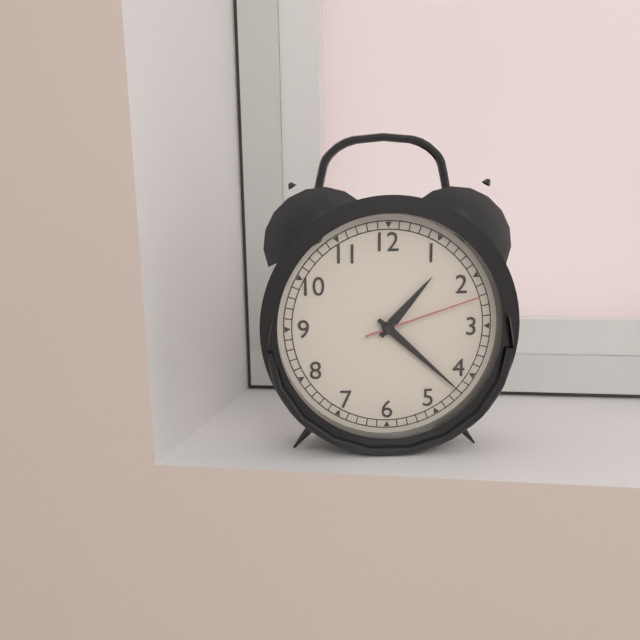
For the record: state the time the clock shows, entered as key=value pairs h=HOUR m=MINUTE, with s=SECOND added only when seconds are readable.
h=1 m=22 s=12
